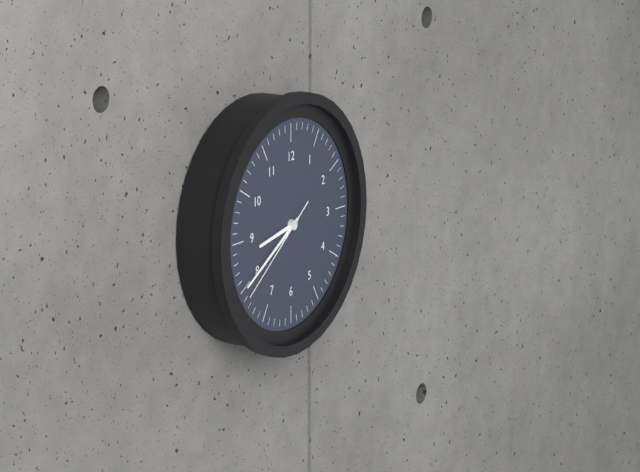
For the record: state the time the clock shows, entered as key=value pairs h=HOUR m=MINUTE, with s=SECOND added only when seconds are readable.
h=8 m=40 s=39
